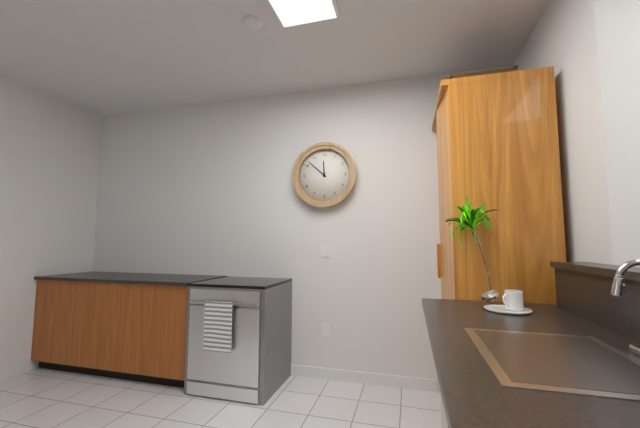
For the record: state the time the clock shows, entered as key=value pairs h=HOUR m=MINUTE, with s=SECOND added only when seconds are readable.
h=11 m=52
